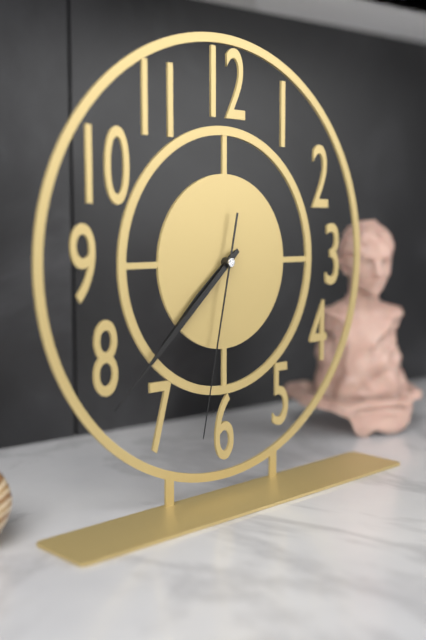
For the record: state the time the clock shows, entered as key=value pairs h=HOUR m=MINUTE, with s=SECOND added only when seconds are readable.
h=7 m=38 s=32
